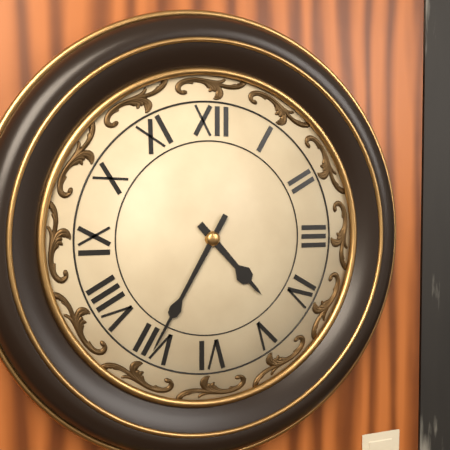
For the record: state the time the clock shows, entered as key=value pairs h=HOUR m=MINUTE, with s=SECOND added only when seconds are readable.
h=4 m=35
